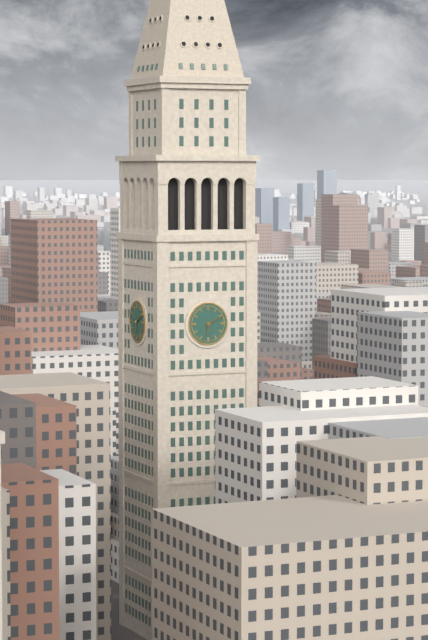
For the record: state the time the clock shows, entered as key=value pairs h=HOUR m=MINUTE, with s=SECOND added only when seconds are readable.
h=6 m=11
